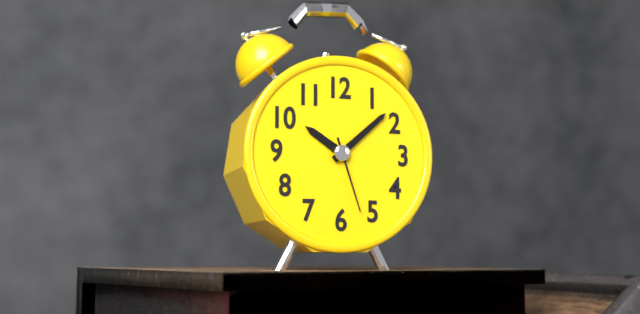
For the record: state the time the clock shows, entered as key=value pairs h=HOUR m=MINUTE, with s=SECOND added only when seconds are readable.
h=10 m=8 s=27
